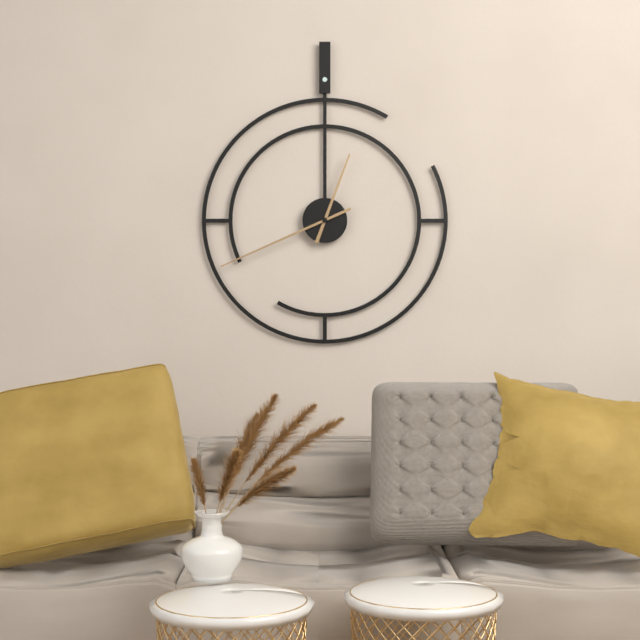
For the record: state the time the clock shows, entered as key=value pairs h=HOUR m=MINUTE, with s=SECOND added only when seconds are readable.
h=12 m=41
